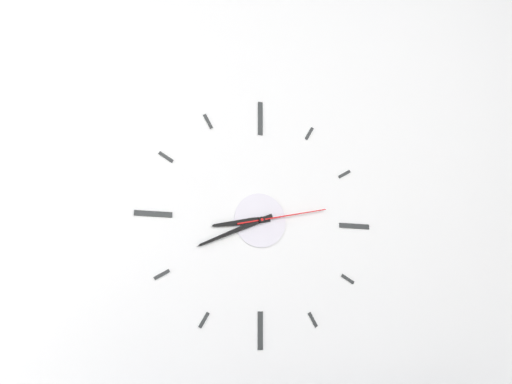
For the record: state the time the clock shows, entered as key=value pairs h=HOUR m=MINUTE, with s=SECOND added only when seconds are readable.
h=8 m=41 s=13
